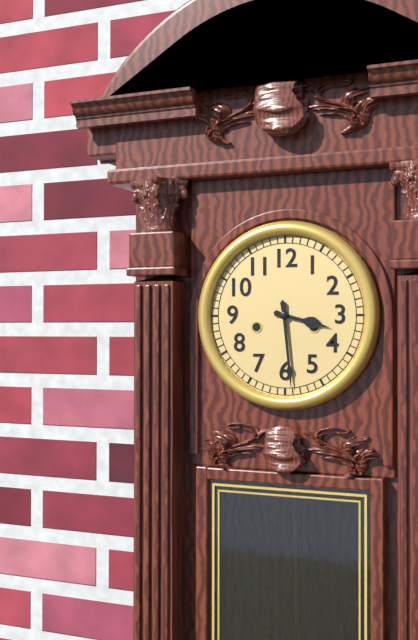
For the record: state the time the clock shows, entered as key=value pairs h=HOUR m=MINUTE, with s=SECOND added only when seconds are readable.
h=3 m=29
